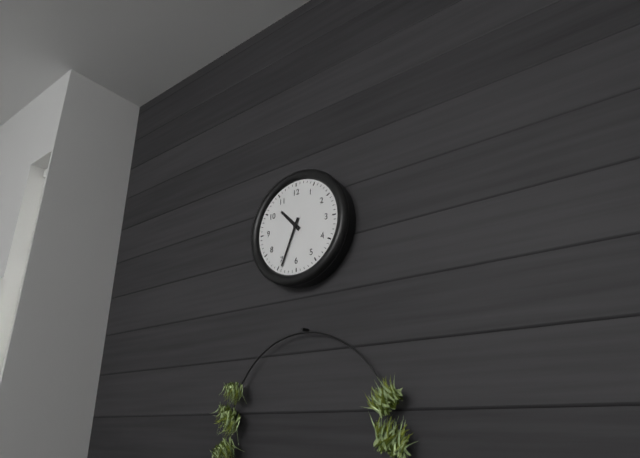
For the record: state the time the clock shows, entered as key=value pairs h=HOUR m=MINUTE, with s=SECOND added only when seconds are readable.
h=10 m=34
